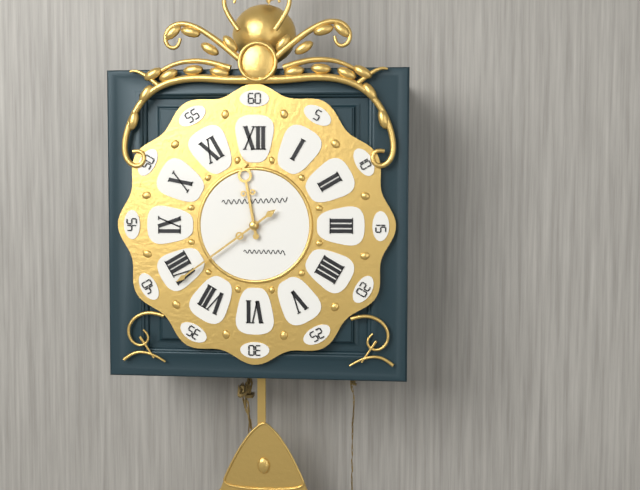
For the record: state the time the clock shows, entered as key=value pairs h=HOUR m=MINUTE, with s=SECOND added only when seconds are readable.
h=11 m=39
